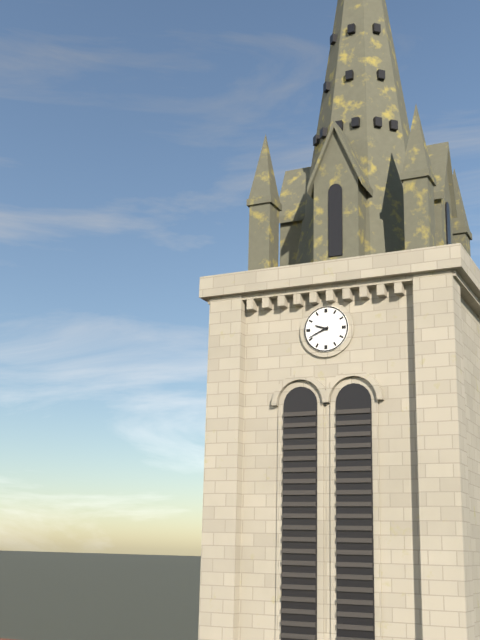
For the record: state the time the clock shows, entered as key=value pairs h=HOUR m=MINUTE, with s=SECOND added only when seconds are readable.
h=9 m=41
